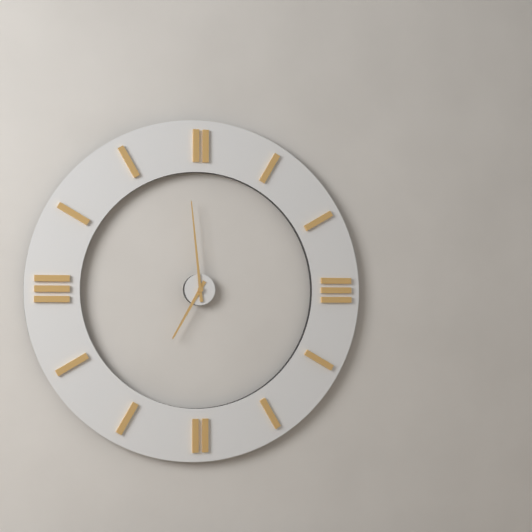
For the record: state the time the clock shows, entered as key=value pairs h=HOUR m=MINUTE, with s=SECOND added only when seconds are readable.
h=6 m=59
